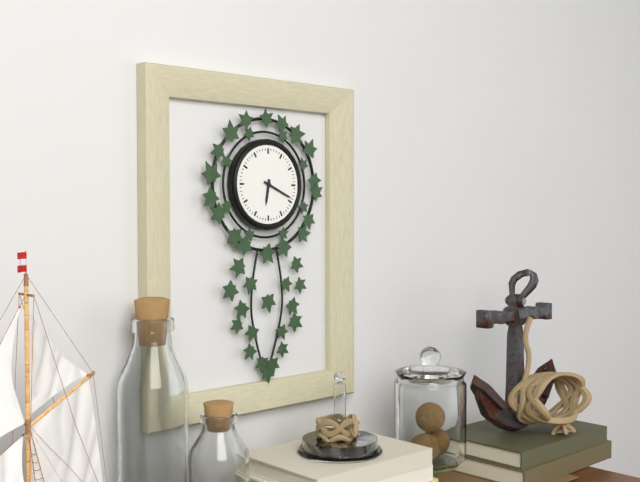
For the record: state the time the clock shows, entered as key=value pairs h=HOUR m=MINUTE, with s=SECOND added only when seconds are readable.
h=6 m=19
